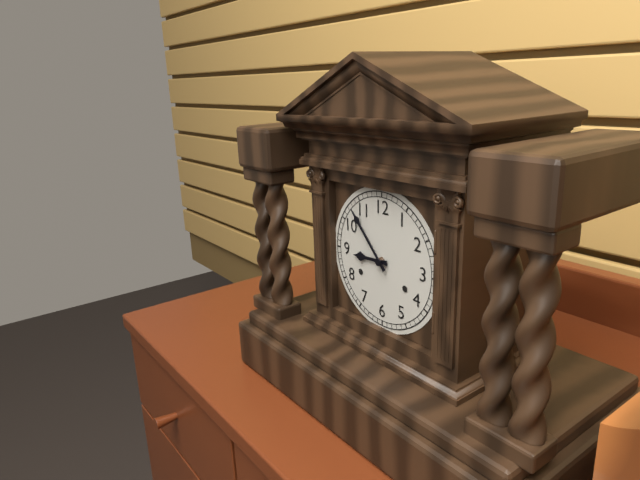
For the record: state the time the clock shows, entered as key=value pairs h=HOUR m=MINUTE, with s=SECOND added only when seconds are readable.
h=8 m=53
